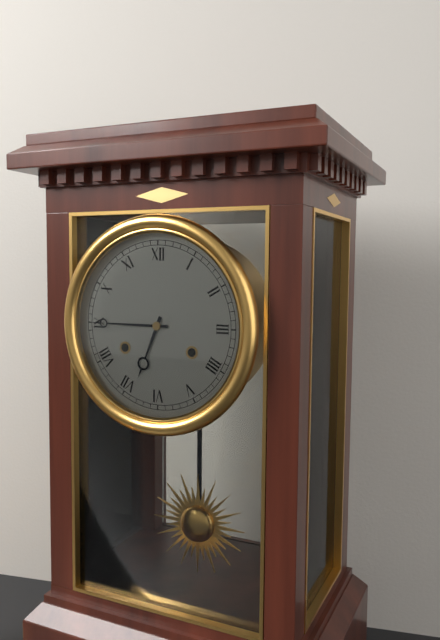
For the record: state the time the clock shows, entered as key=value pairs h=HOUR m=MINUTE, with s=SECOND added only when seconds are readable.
h=6 m=45
